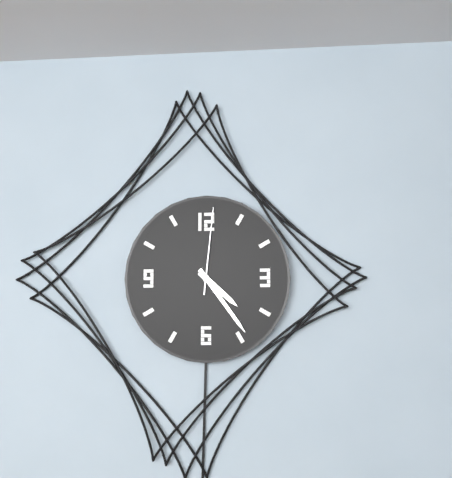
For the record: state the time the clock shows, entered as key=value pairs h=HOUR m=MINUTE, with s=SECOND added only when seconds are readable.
h=4 m=24 s=1
